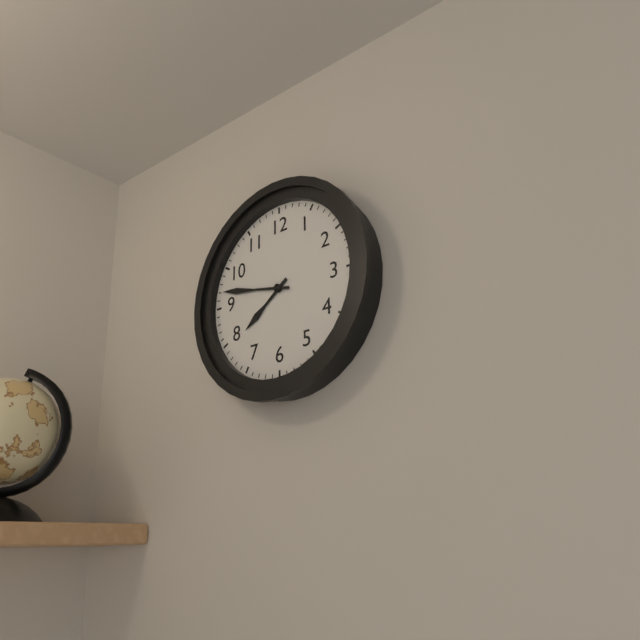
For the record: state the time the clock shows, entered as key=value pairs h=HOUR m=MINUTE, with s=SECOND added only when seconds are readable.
h=7 m=47
